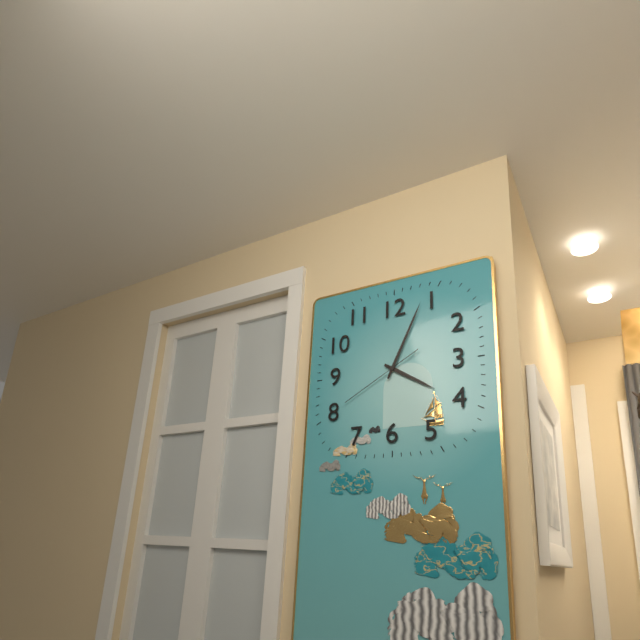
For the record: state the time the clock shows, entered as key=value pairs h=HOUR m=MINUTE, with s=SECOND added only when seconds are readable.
h=4 m=4 s=40
